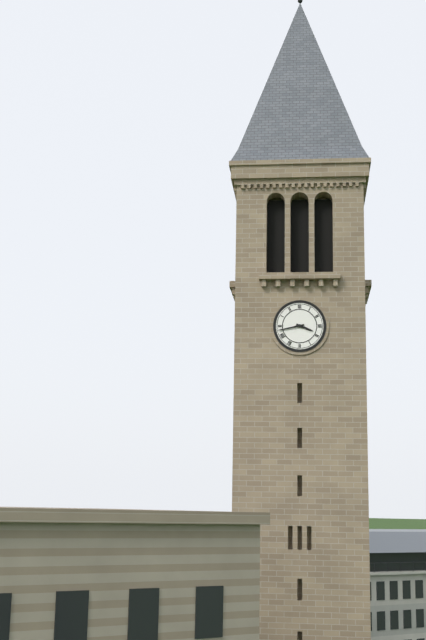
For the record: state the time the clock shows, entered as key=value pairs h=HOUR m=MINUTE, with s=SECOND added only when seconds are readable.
h=3 m=43
